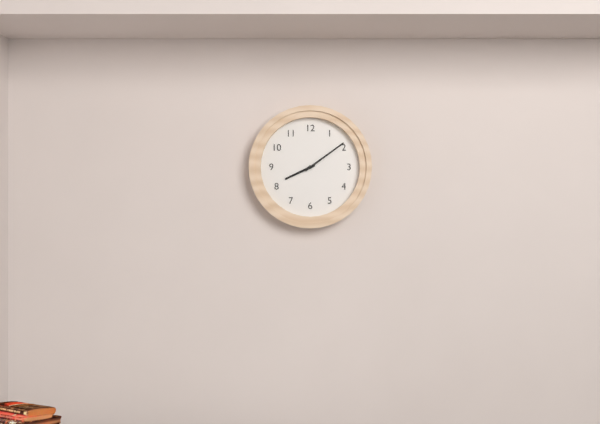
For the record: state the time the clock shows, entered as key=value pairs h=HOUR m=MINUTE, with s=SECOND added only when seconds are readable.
h=8 m=9
